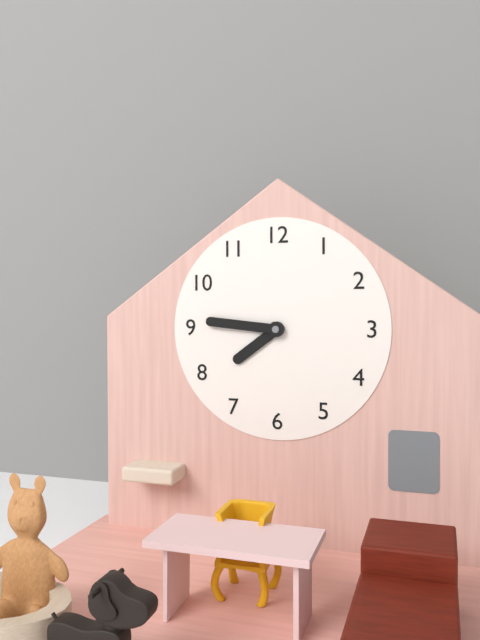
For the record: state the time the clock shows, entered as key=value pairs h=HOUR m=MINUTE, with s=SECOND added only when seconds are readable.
h=7 m=46
